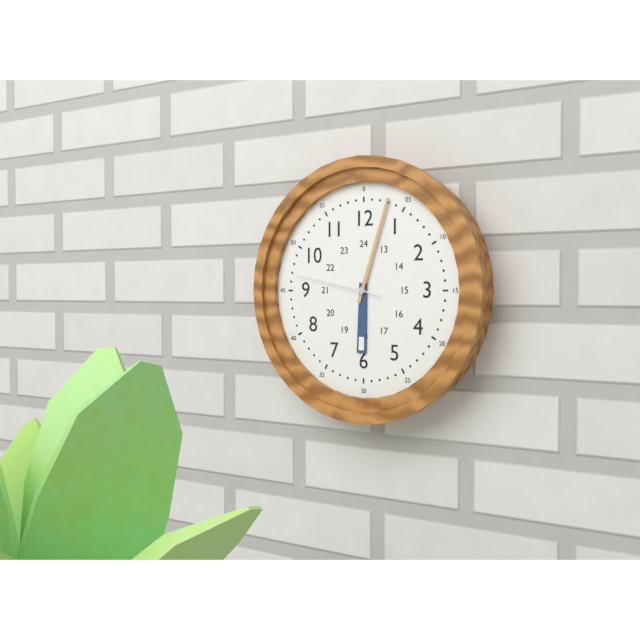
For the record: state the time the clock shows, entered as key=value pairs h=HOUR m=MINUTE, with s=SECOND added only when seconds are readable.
h=6 m=3 s=47
